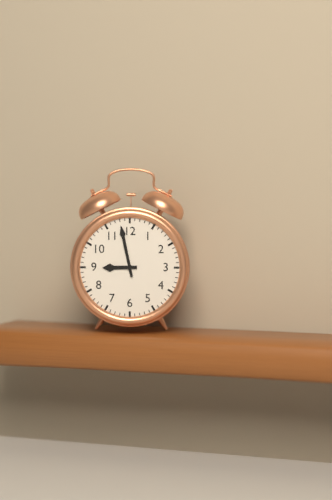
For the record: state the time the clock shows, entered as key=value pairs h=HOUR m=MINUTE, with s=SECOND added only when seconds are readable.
h=8 m=58
